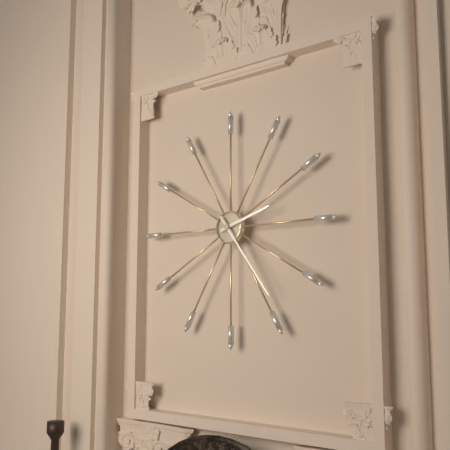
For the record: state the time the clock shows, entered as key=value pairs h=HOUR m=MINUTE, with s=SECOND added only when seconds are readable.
h=2 m=24
